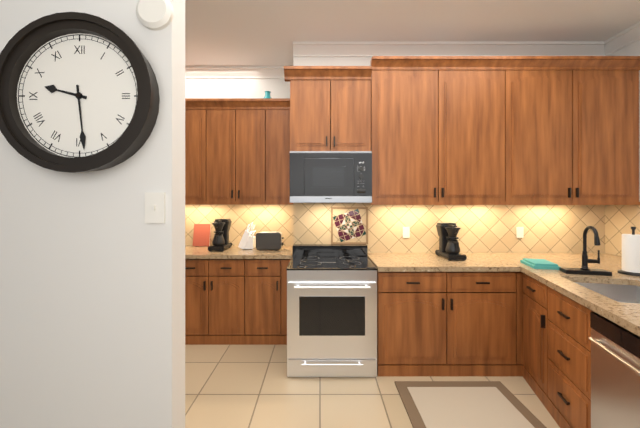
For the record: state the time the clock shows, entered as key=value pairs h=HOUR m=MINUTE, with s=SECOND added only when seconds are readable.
h=9 m=29
